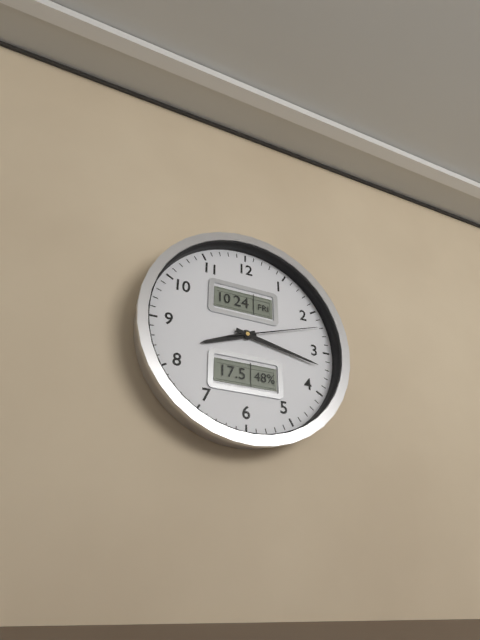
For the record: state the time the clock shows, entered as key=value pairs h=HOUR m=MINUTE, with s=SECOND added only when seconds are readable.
h=8 m=17 s=12
